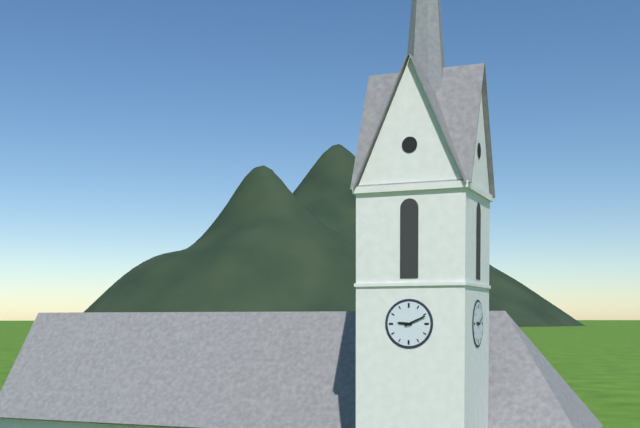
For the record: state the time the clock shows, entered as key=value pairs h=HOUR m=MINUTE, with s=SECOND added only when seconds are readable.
h=9 m=11
